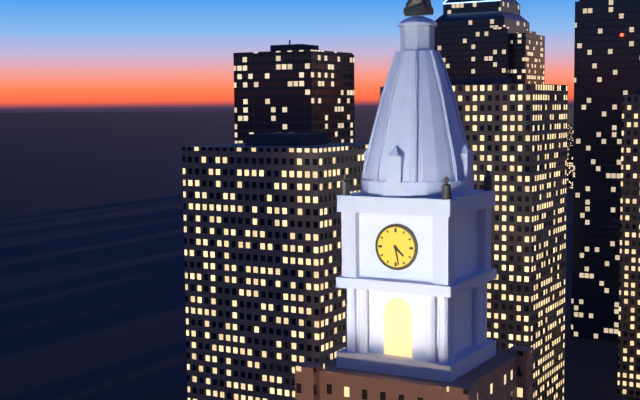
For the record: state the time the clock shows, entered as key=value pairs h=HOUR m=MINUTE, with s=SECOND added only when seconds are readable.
h=4 m=28
